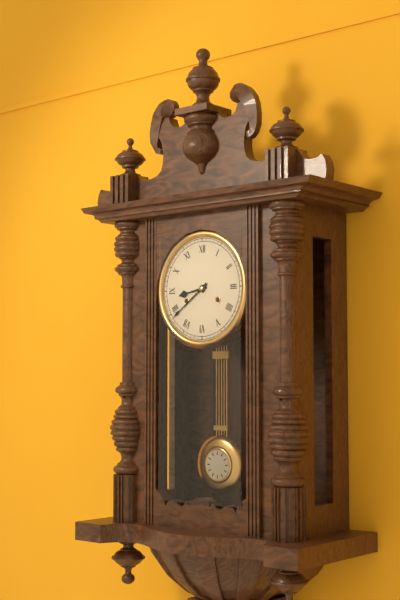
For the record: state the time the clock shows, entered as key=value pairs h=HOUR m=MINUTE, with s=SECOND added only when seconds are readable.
h=8 m=39
